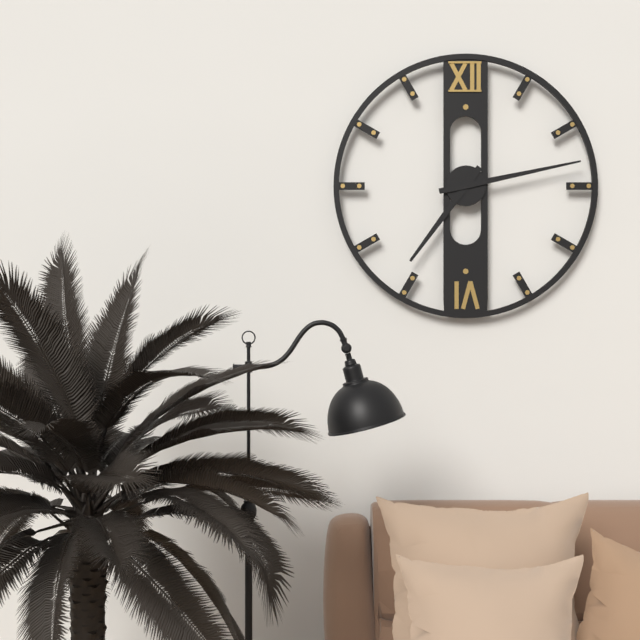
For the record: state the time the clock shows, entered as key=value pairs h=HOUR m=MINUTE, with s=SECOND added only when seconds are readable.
h=7 m=13
